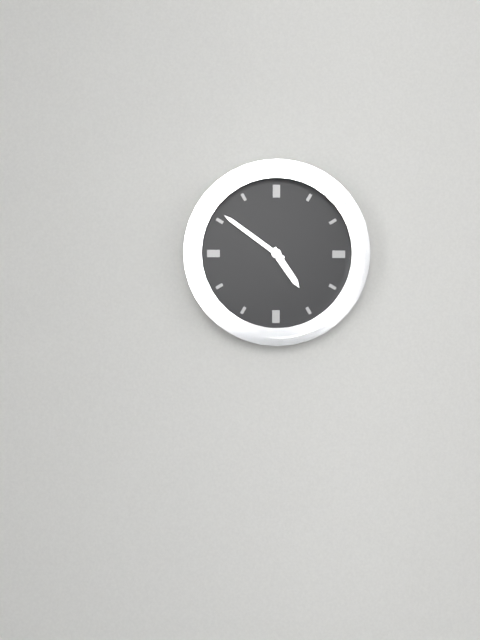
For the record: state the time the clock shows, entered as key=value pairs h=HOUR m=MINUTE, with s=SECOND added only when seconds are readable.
h=4 m=51
